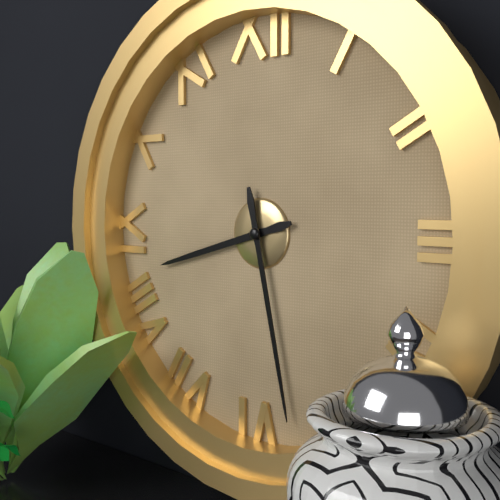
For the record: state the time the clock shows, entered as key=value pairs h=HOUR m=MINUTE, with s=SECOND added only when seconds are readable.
h=8 m=28
